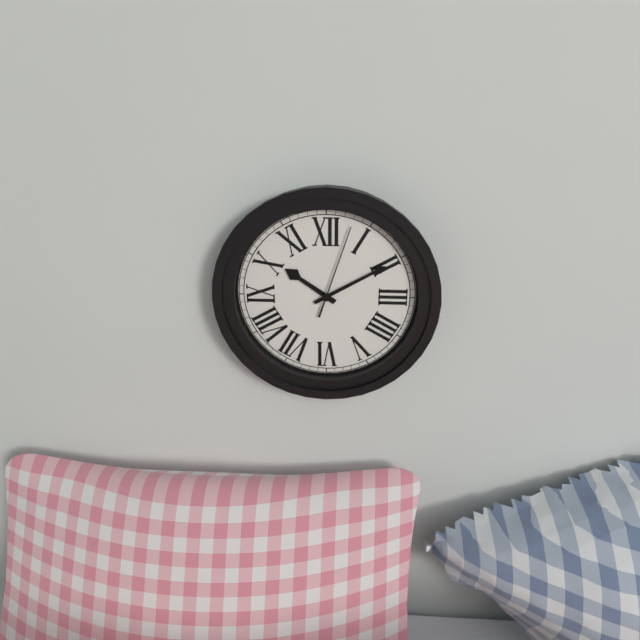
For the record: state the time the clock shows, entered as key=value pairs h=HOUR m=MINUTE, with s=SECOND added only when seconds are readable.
h=10 m=10 s=3
